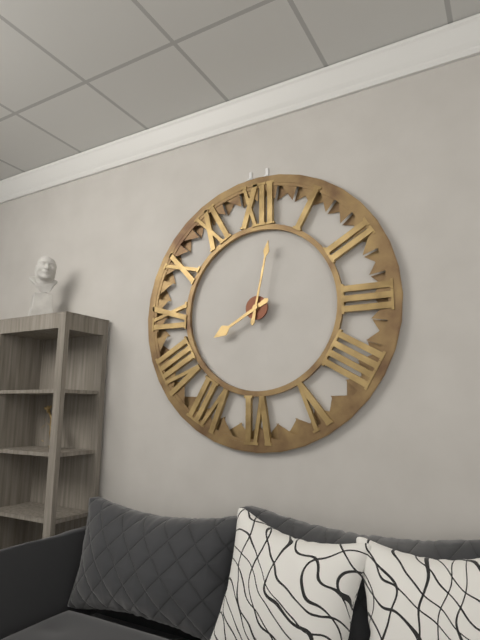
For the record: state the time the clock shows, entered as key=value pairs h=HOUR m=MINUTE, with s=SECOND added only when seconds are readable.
h=8 m=2
